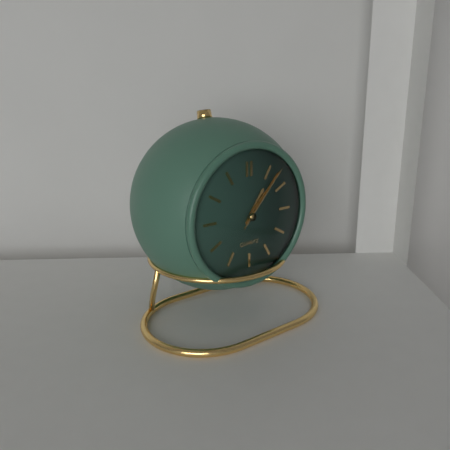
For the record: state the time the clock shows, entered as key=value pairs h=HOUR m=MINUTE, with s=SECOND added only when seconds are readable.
h=1 m=7 s=7
